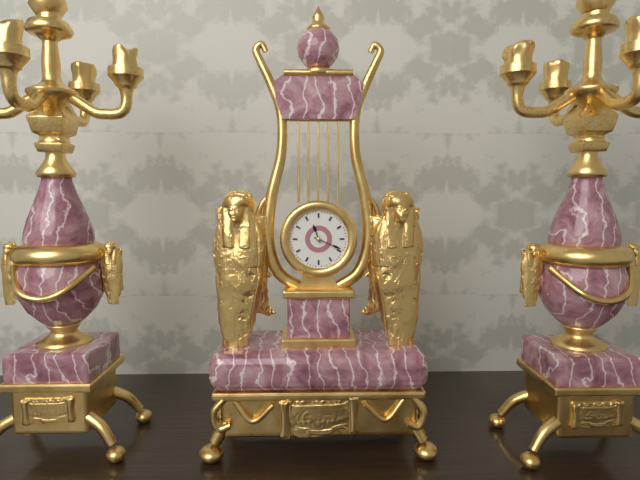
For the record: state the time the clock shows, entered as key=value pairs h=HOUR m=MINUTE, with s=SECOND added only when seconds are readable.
h=11 m=19
